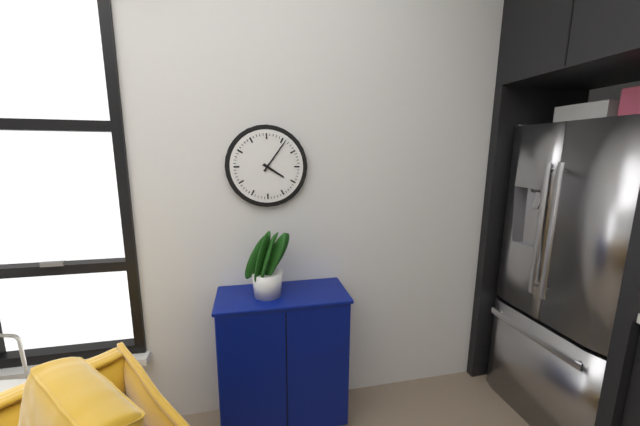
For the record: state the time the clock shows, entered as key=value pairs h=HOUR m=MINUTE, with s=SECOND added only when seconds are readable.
h=4 m=6
